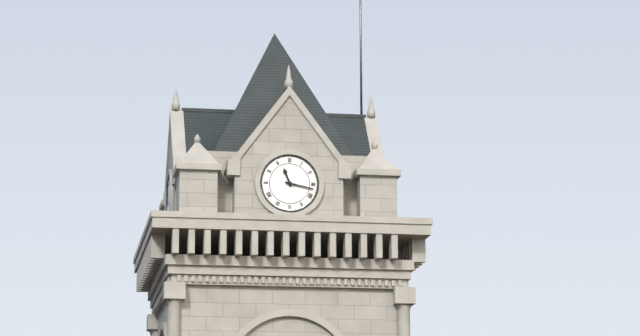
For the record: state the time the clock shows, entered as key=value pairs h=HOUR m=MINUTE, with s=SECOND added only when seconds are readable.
h=11 m=17
